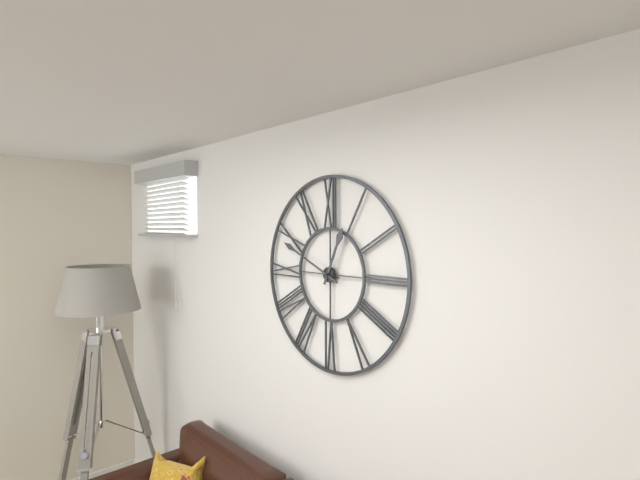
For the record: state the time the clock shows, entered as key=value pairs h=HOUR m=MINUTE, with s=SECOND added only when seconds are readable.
h=12 m=49
